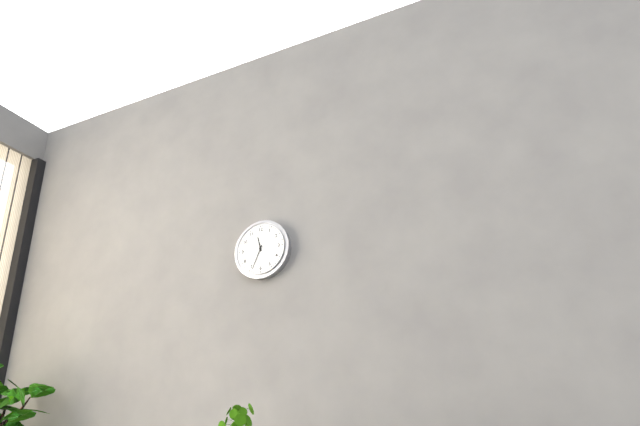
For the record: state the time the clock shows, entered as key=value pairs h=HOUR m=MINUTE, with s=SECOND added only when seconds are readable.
h=11 m=34
